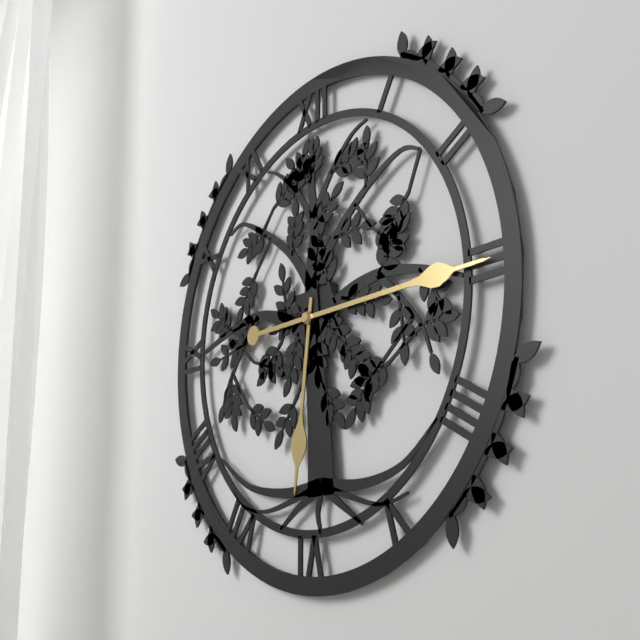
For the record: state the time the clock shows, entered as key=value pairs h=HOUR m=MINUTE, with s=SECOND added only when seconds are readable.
h=6 m=15
